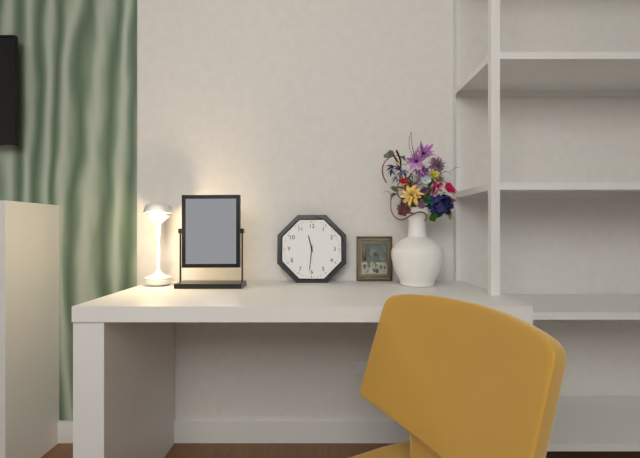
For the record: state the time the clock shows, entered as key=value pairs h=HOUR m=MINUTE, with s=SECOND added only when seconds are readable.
h=11 m=31
